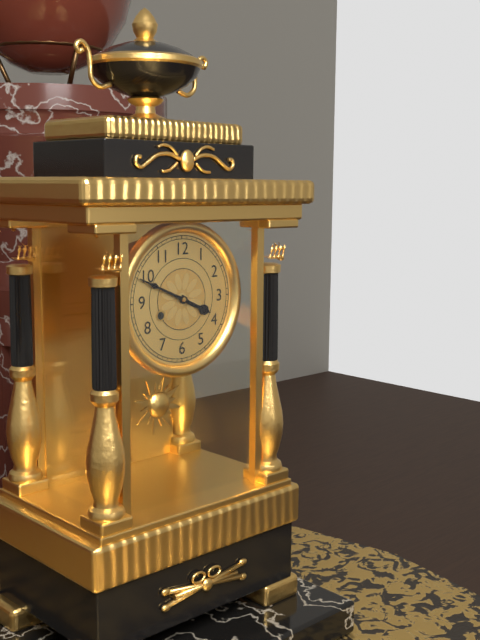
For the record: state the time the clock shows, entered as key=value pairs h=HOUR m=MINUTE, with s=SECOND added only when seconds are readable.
h=3 m=49
